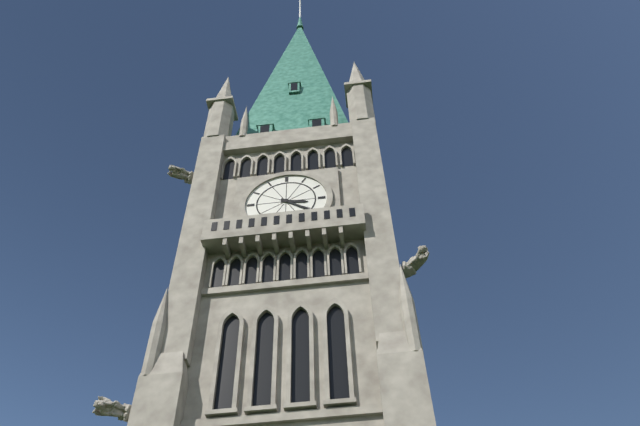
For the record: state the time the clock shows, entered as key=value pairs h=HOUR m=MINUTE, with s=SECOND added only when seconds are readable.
h=3 m=21
